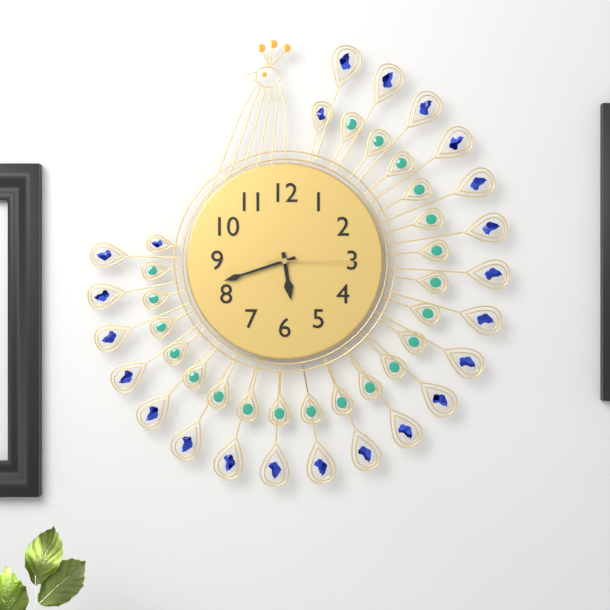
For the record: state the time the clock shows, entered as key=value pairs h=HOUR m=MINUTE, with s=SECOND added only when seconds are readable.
h=5 m=42 s=15
